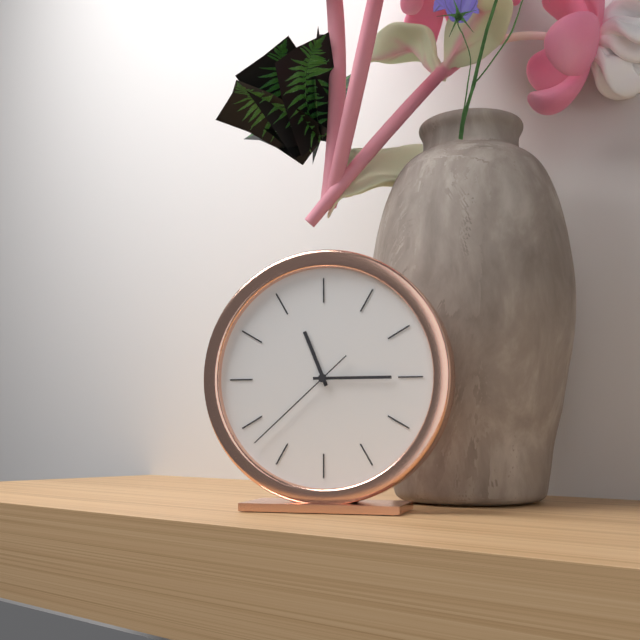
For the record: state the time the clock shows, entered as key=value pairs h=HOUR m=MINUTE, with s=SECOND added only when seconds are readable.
h=11 m=15 s=38
